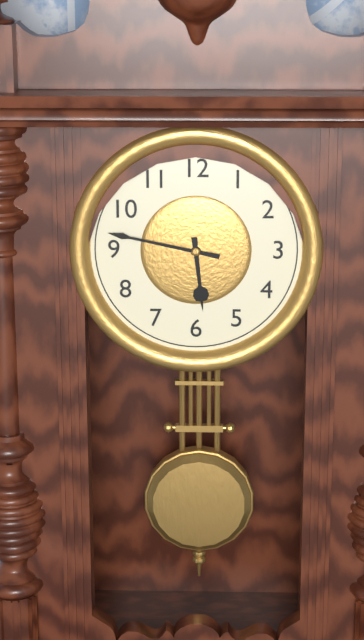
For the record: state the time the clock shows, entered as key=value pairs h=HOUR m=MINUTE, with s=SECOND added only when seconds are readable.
h=5 m=47
